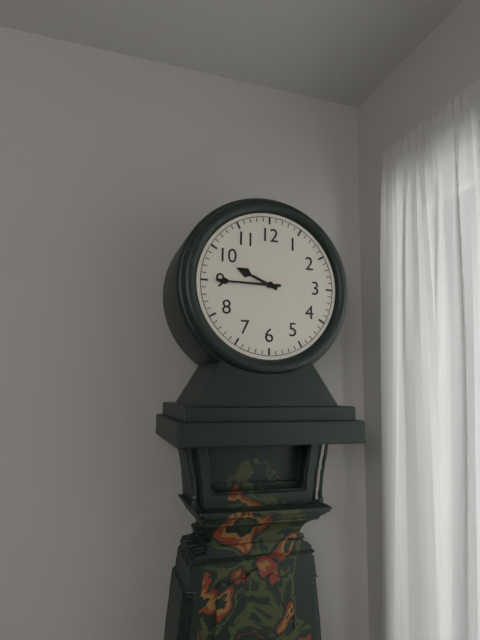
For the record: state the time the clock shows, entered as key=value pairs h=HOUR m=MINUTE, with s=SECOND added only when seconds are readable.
h=9 m=45
